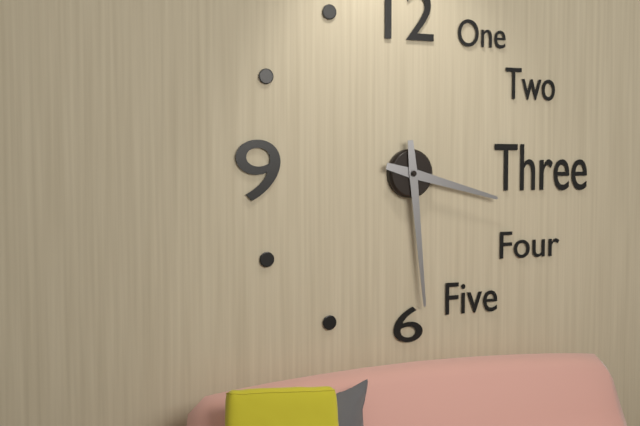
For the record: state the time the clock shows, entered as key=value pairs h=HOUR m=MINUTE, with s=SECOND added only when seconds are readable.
h=3 m=29
